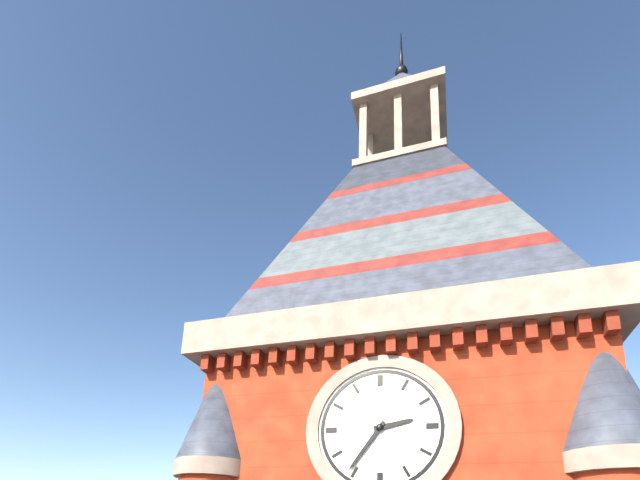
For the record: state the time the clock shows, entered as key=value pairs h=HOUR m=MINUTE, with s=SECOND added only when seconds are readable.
h=2 m=36
